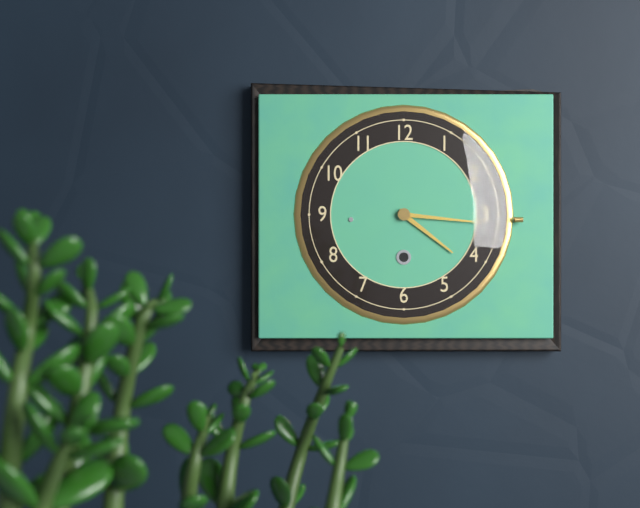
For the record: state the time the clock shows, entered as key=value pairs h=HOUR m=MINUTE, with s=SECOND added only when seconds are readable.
h=4 m=16
